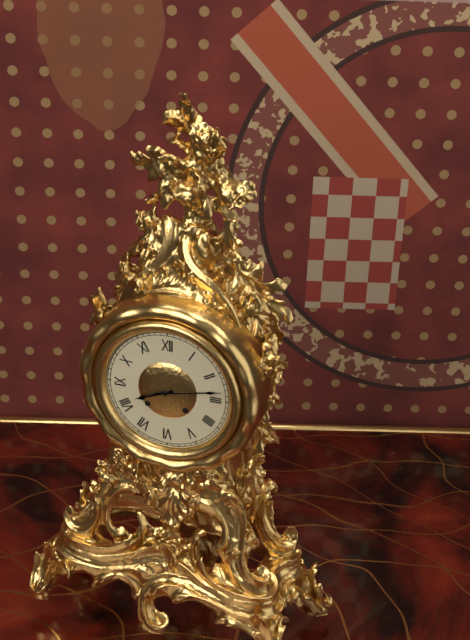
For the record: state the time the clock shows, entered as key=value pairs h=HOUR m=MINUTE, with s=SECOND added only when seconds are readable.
h=8 m=13
